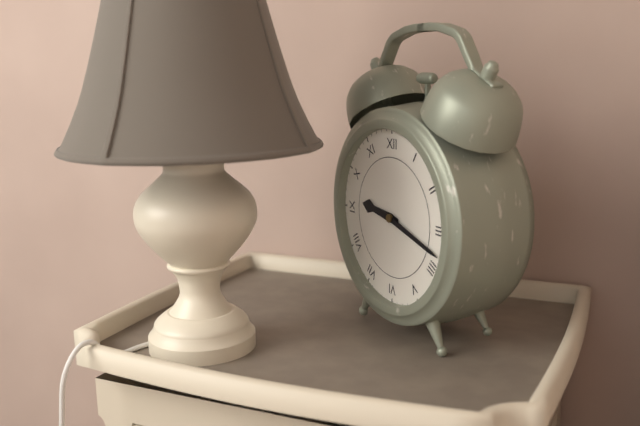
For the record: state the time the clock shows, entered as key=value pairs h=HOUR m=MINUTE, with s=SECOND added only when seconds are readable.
h=9 m=18
